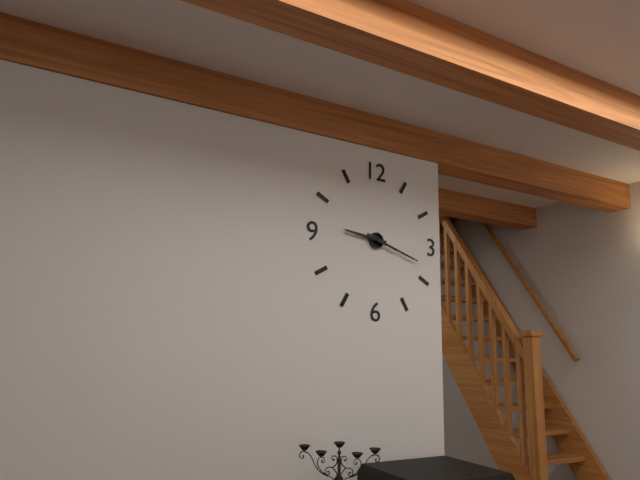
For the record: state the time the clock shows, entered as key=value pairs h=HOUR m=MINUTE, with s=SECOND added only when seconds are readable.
h=9 m=18
